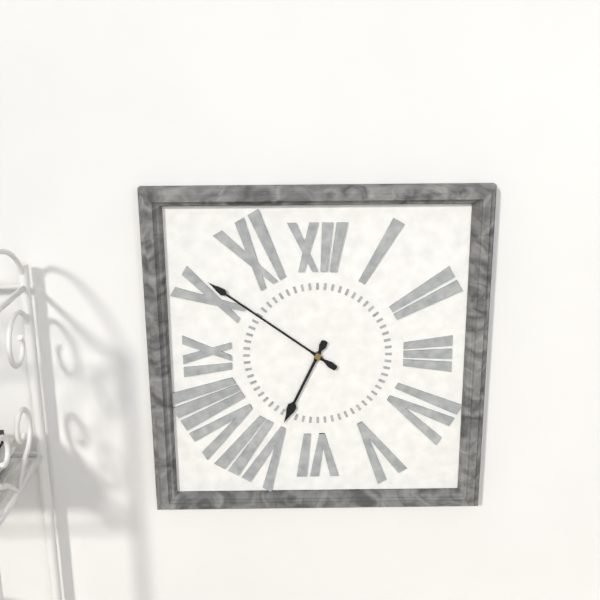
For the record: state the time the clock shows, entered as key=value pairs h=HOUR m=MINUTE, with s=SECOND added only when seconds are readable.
h=6 m=51
